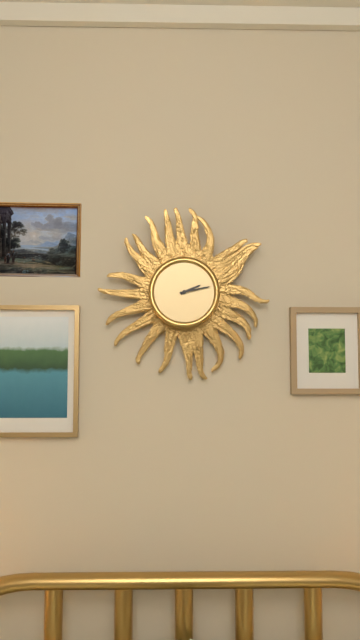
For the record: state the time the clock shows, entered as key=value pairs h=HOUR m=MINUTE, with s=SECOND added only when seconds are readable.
h=2 m=13
